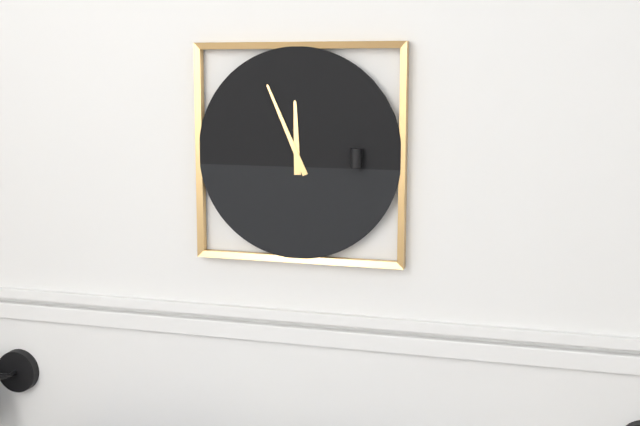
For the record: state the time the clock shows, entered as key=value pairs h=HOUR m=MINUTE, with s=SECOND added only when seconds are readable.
h=11 m=56
